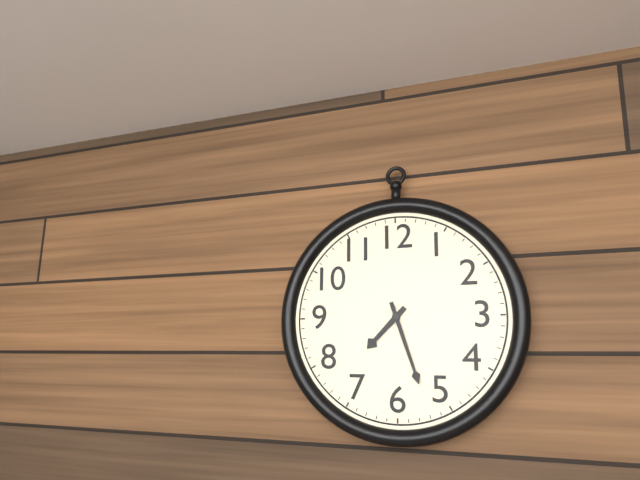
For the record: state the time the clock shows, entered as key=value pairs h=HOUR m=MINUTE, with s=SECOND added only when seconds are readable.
h=7 m=27
